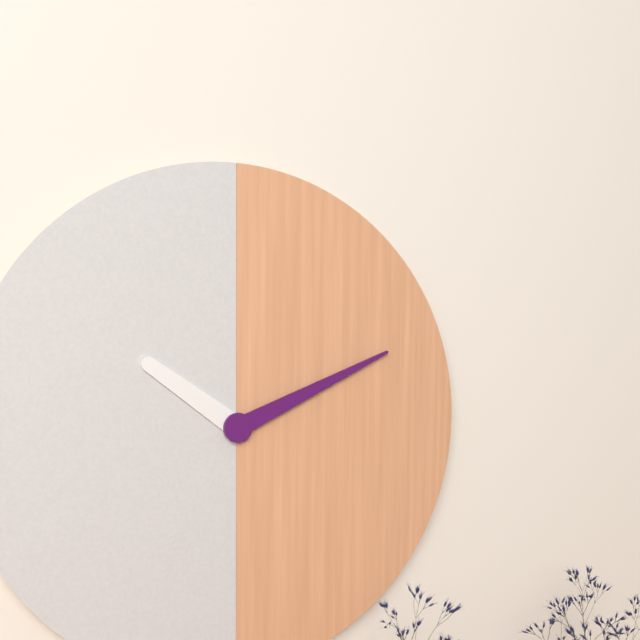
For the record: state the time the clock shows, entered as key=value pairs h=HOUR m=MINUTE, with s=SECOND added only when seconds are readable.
h=10 m=11
